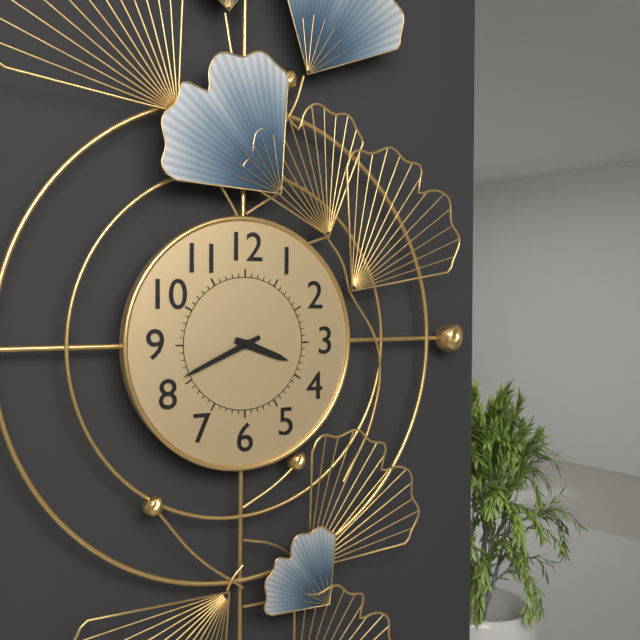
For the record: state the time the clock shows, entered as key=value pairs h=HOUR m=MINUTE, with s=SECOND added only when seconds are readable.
h=3 m=41
